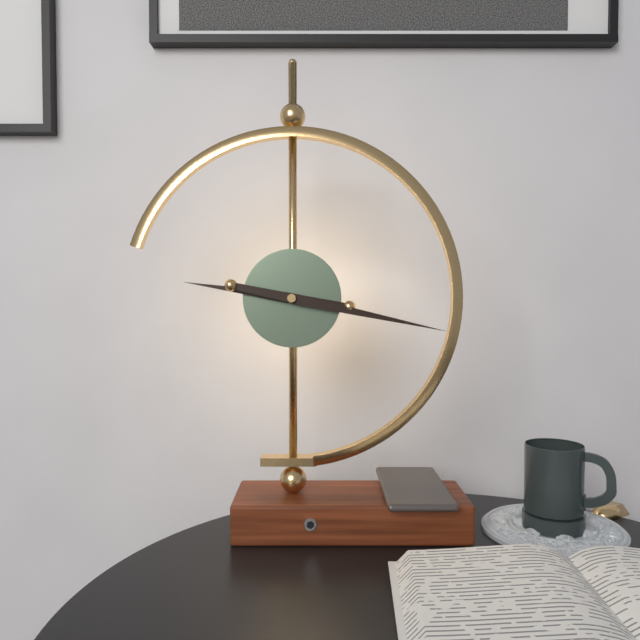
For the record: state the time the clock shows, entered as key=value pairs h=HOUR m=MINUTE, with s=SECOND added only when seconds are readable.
h=9 m=17
